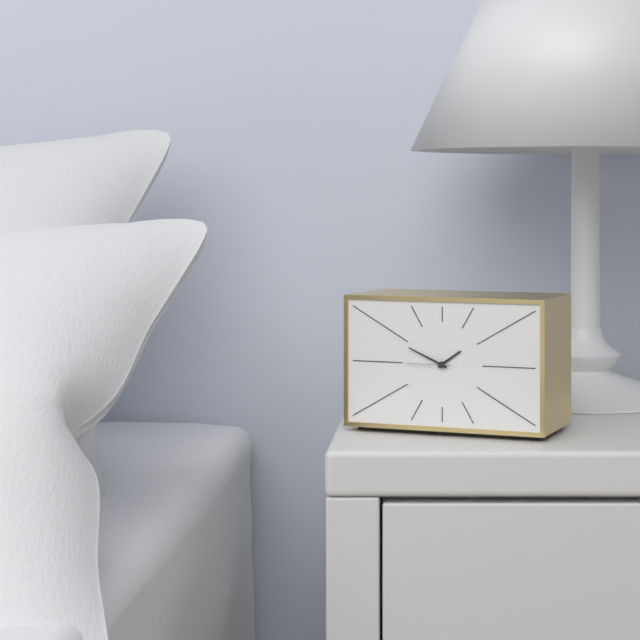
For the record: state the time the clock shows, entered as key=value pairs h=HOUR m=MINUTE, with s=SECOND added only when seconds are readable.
h=1 m=49
